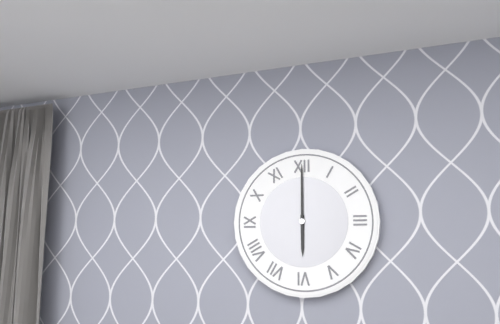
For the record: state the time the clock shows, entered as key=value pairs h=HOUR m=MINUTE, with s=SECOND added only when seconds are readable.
h=6 m=0
